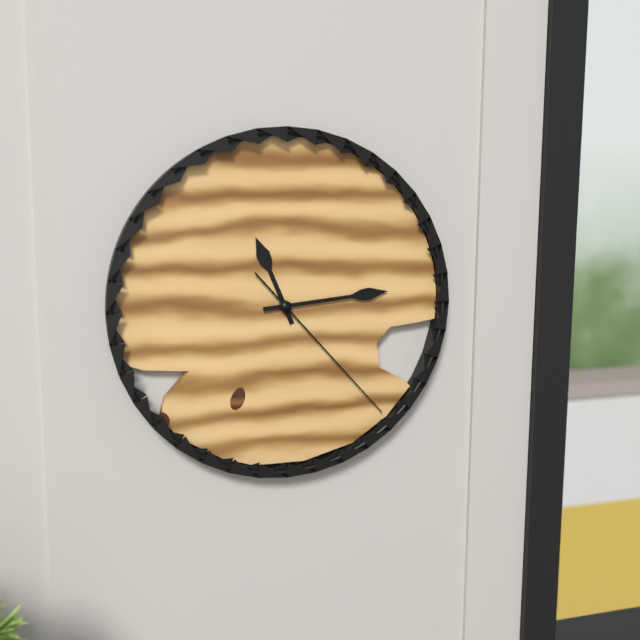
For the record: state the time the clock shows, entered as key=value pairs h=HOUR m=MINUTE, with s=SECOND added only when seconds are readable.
h=11 m=14 s=23
